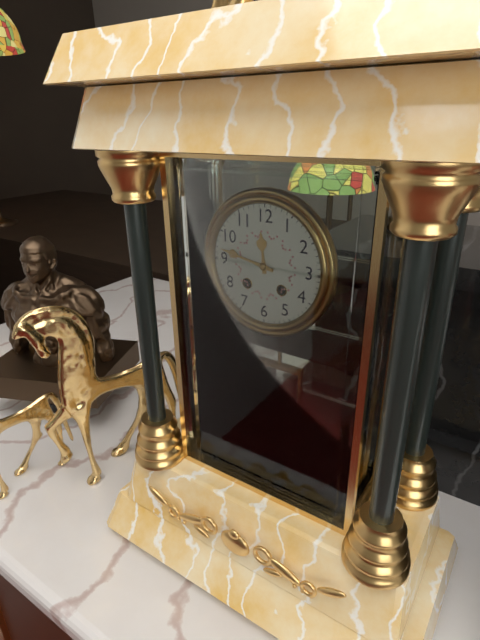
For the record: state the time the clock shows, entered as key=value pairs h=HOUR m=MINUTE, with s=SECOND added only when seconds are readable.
h=11 m=47
